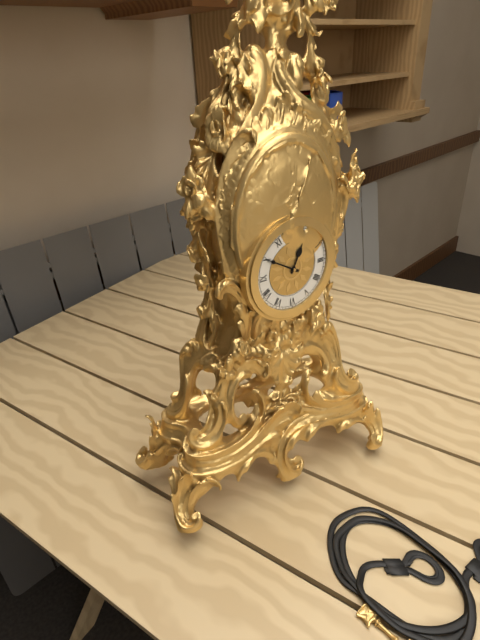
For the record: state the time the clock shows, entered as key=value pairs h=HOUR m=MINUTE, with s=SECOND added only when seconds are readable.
h=12 m=50
